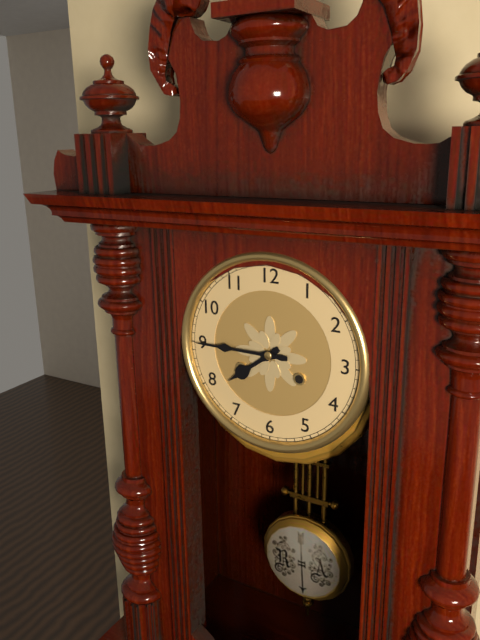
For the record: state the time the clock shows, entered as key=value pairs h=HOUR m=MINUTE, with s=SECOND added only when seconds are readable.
h=7 m=45
